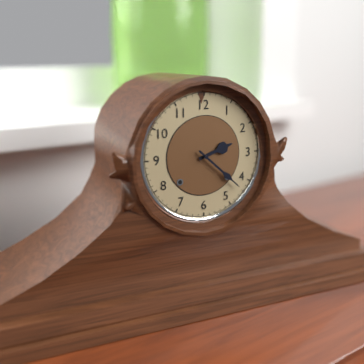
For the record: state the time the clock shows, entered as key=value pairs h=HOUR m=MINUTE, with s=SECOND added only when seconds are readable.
h=2 m=22
